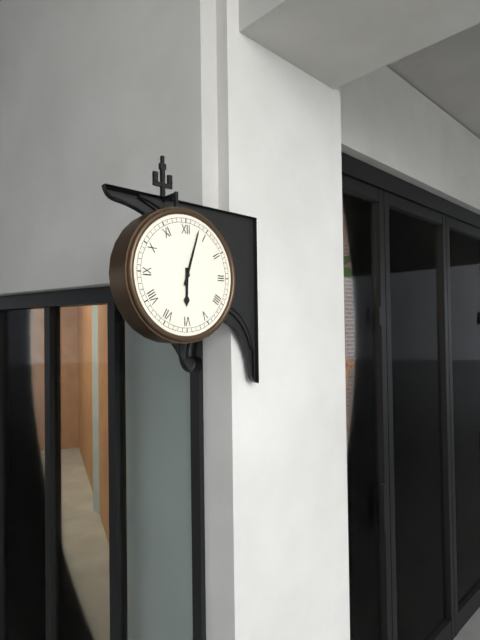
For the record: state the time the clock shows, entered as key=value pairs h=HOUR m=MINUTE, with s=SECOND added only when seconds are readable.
h=6 m=3
